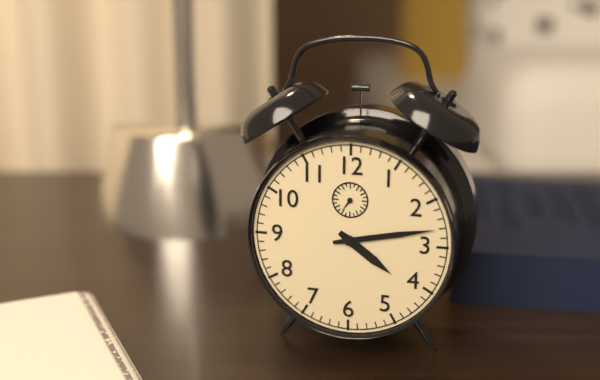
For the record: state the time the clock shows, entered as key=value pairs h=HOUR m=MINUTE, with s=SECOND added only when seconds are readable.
h=4 m=13
